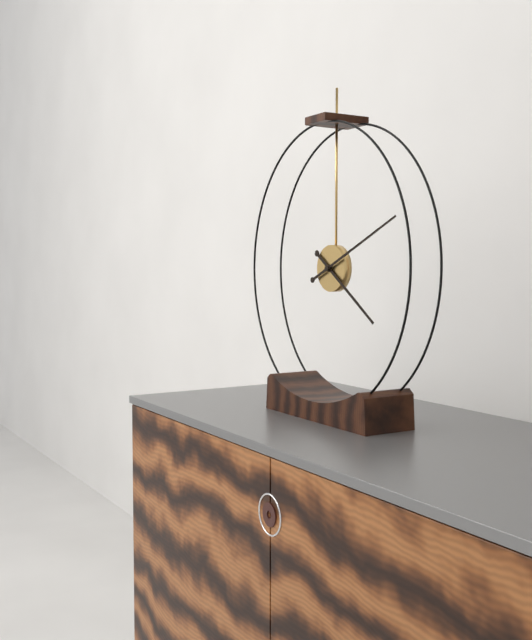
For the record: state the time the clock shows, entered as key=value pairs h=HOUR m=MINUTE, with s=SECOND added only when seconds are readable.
h=4 m=11
